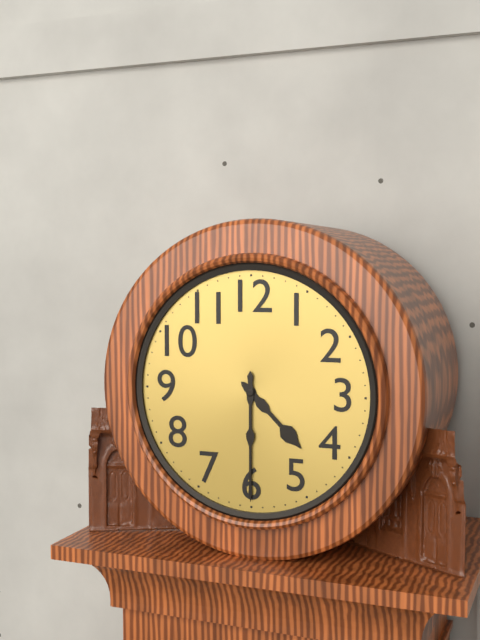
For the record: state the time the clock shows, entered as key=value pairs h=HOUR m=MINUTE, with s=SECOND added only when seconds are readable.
h=4 m=30
